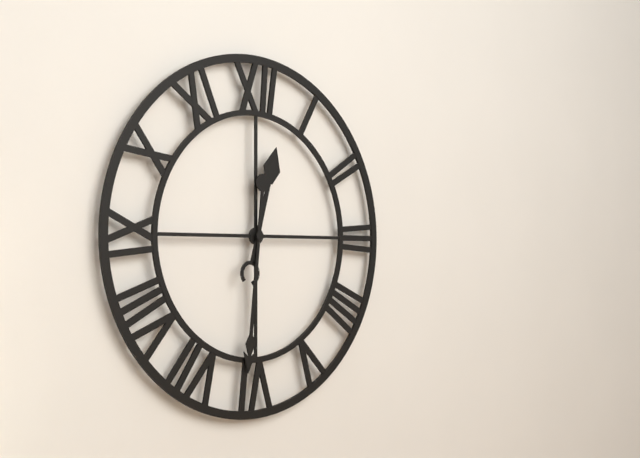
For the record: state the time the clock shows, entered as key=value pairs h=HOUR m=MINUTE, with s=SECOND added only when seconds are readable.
h=12 m=31
